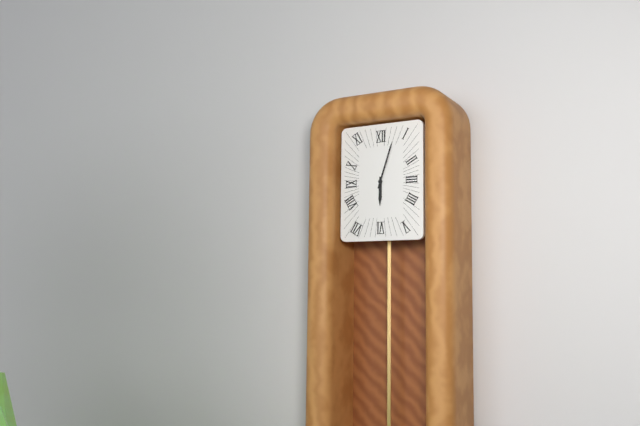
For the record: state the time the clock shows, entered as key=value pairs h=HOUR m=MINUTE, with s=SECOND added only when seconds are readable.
h=6 m=3
